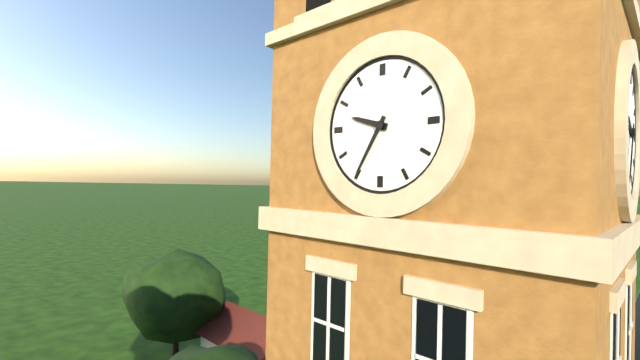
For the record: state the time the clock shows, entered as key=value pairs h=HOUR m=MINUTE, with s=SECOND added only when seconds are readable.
h=9 m=35
